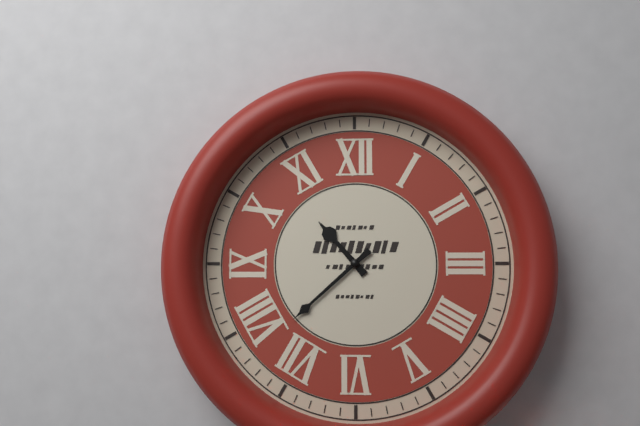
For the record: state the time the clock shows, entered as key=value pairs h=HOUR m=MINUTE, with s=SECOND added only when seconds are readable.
h=10 m=38
